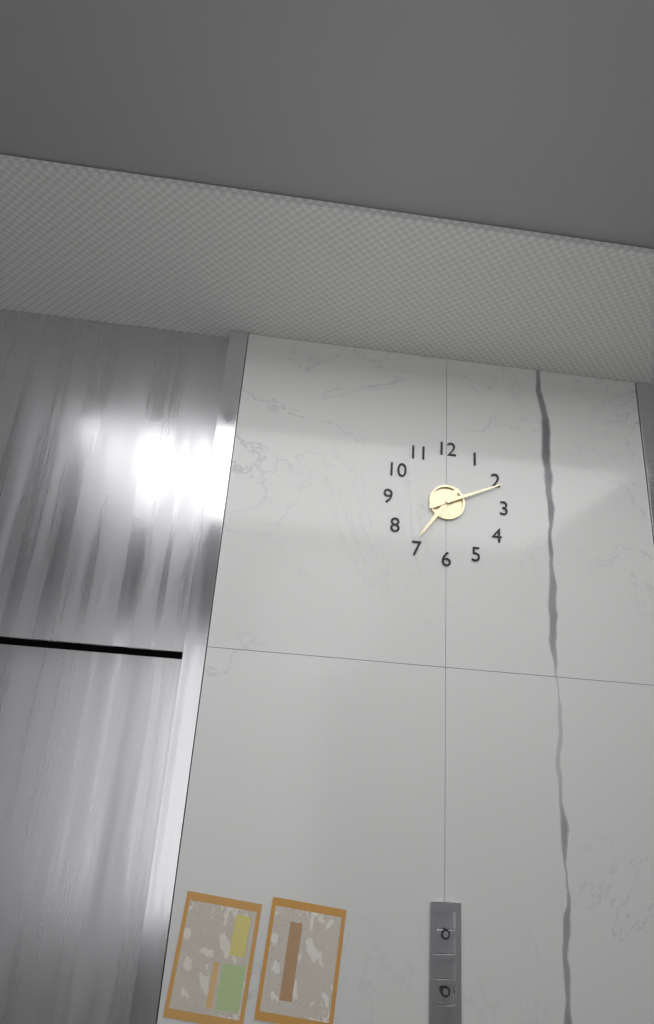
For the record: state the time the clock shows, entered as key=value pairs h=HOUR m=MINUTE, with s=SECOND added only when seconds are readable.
h=7 m=11
